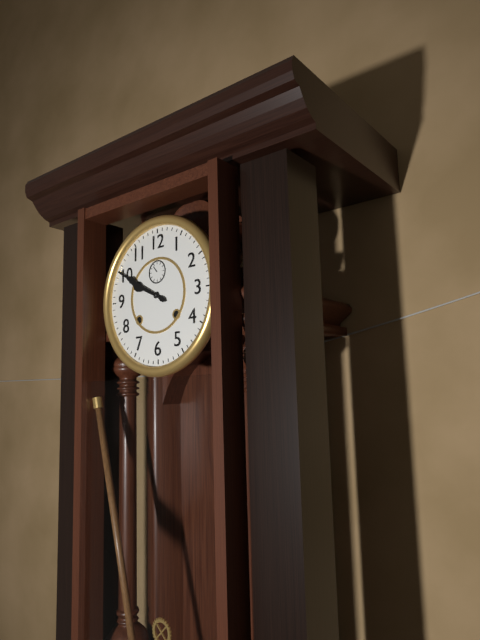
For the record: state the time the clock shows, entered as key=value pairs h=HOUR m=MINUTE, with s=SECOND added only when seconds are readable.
h=9 m=50
